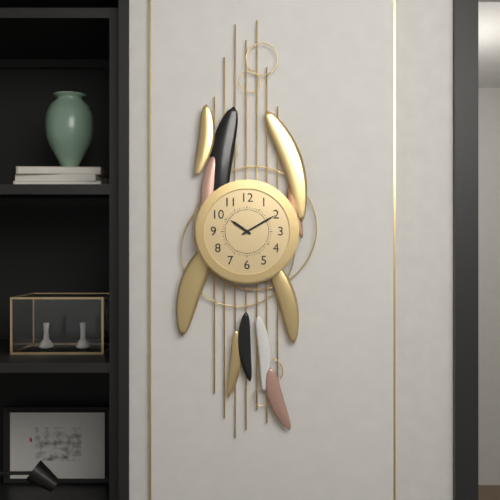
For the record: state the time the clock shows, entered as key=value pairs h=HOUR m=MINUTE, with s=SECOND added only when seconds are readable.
h=10 m=10
